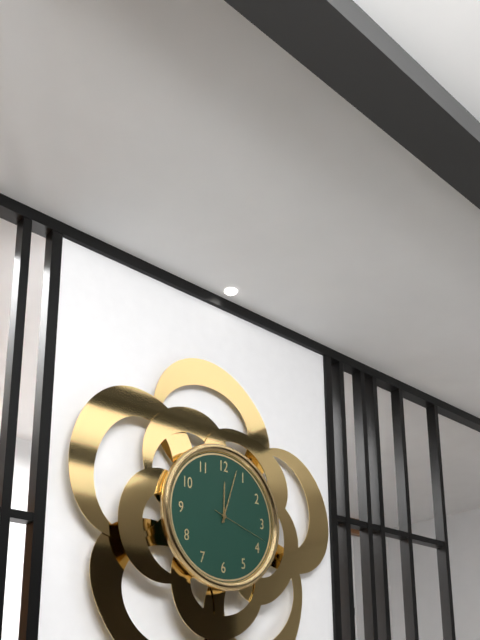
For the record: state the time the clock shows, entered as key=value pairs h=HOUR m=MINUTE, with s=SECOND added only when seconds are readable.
h=12 m=3 s=18
